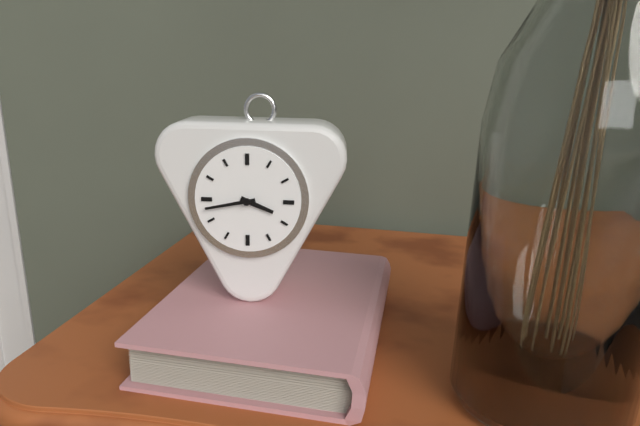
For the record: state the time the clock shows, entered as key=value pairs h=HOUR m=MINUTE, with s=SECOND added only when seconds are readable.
h=3 m=43
